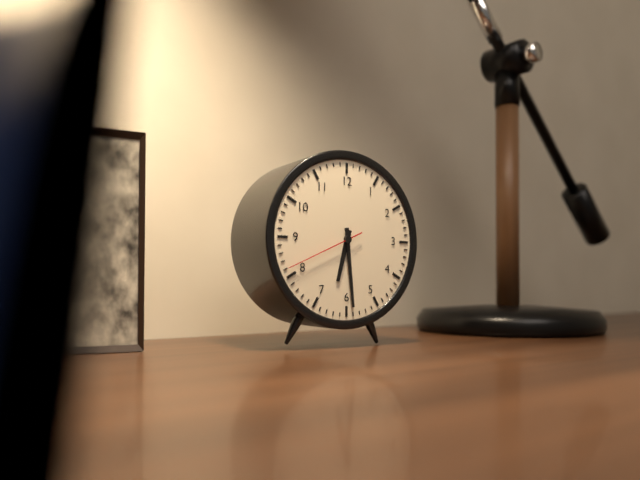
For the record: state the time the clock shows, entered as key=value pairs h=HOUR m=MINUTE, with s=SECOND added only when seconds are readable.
h=6 m=29 s=41
